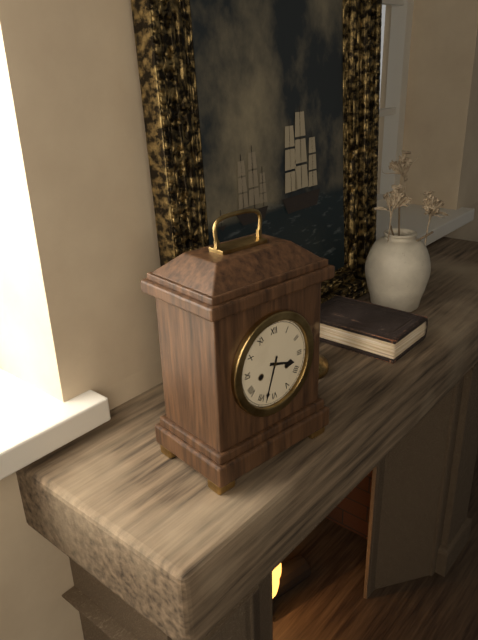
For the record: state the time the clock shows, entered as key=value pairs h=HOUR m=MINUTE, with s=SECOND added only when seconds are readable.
h=3 m=33
